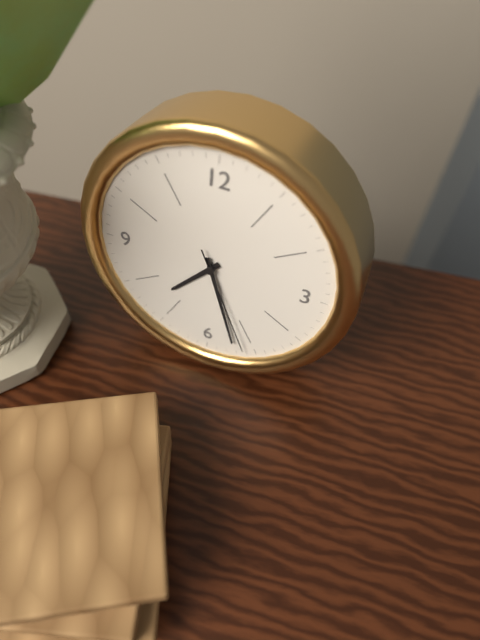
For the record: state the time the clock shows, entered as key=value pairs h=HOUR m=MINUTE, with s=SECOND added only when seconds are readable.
h=7 m=27 s=26
